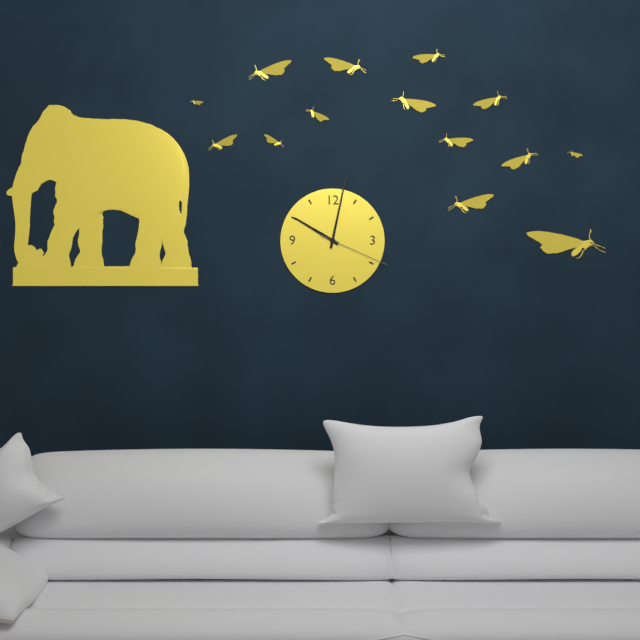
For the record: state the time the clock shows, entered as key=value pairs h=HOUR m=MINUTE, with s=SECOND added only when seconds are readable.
h=10 m=2 s=19
